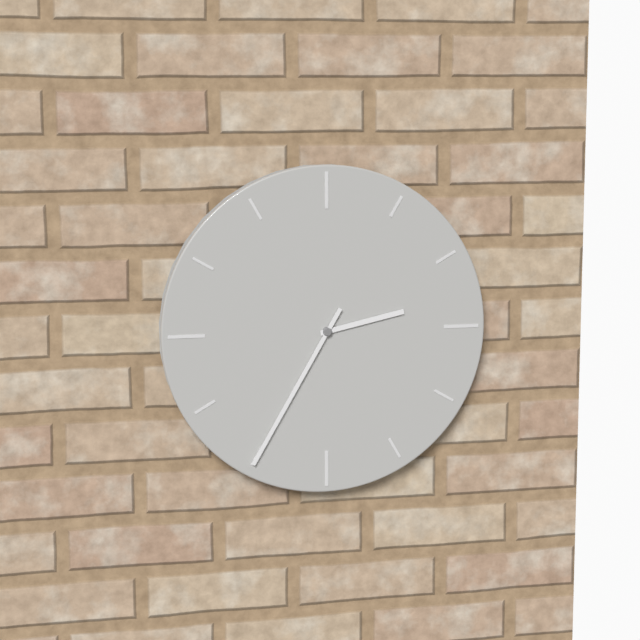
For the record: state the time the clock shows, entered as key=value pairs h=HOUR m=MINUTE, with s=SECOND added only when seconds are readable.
h=2 m=35
